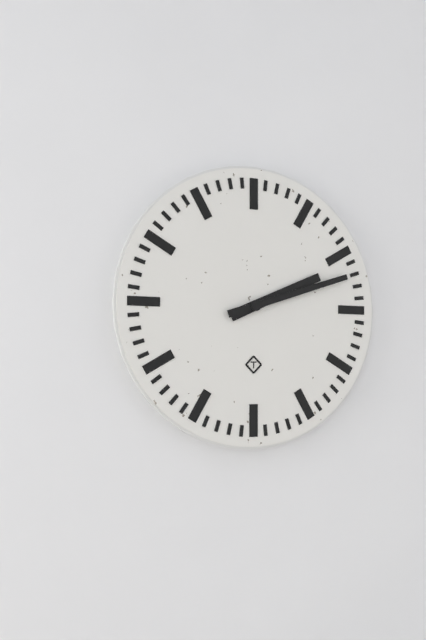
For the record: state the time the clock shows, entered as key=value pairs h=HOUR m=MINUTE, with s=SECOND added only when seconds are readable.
h=2 m=12
